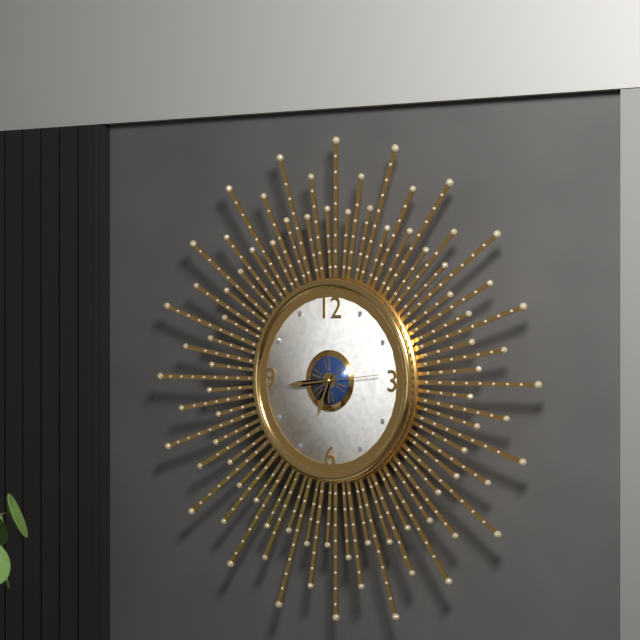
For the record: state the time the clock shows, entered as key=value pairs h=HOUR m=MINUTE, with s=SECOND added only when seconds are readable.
h=6 m=44 s=14
